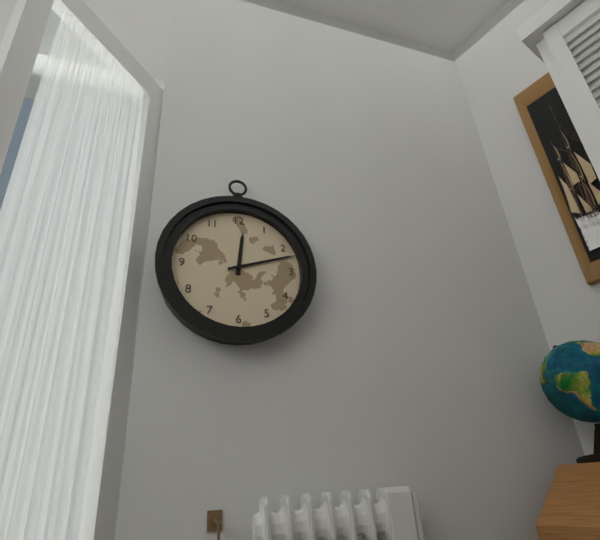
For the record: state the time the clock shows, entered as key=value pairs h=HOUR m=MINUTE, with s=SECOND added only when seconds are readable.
h=12 m=12
